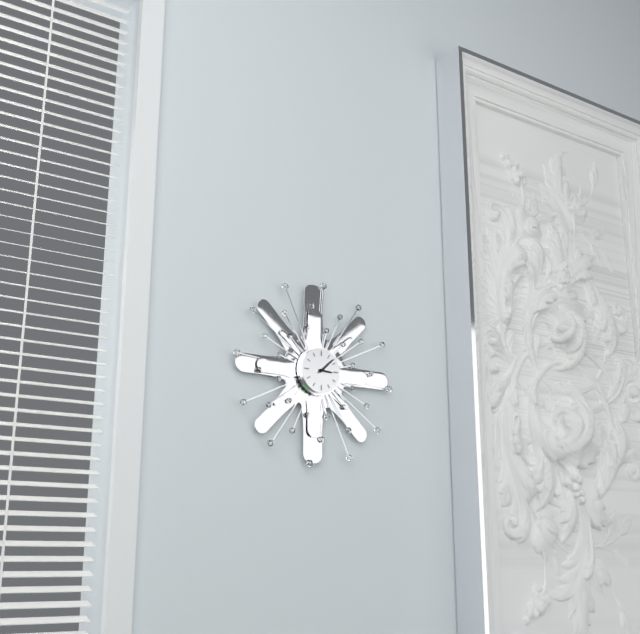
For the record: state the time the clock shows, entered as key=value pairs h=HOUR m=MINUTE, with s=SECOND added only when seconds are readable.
h=3 m=8
